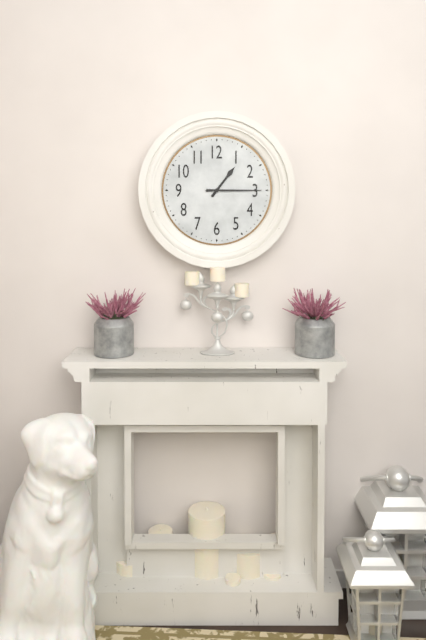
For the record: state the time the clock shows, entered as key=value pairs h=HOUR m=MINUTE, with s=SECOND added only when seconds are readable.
h=1 m=15
